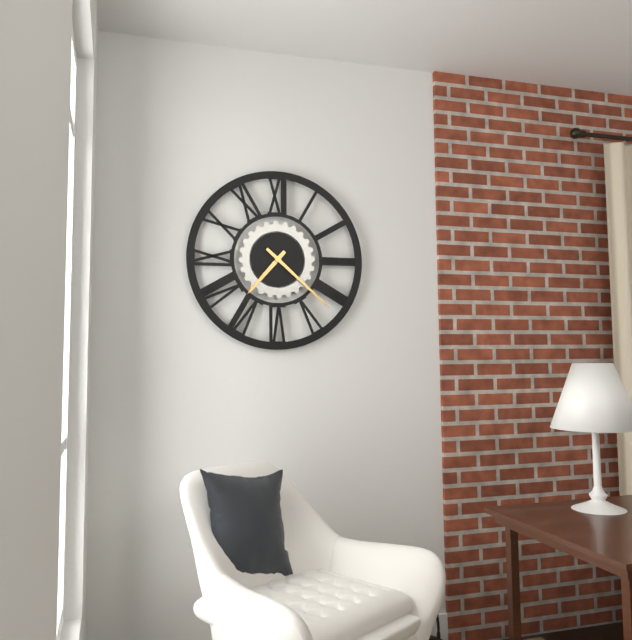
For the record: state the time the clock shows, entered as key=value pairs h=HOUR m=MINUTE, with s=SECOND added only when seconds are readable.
h=7 m=22
